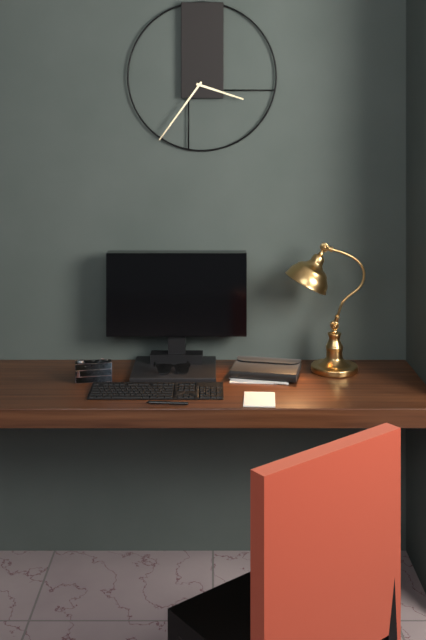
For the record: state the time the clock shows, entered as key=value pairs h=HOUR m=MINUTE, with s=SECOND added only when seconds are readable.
h=3 m=36
